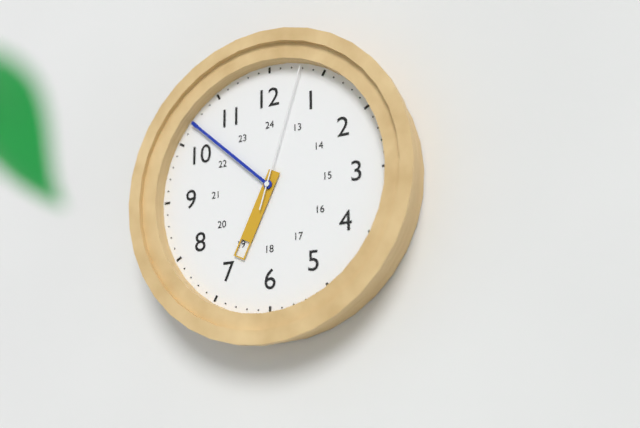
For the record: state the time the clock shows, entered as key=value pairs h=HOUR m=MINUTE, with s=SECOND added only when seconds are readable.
h=6 m=52 s=3
